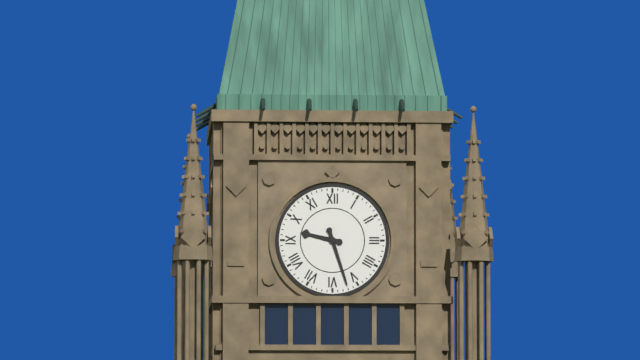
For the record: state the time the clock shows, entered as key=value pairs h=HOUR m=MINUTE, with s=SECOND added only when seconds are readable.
h=9 m=27
